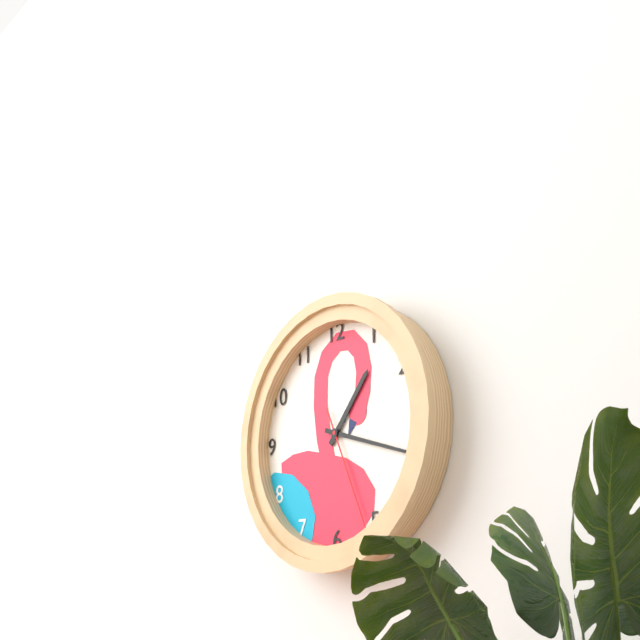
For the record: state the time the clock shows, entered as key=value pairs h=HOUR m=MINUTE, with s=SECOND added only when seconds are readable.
h=1 m=18 s=26
